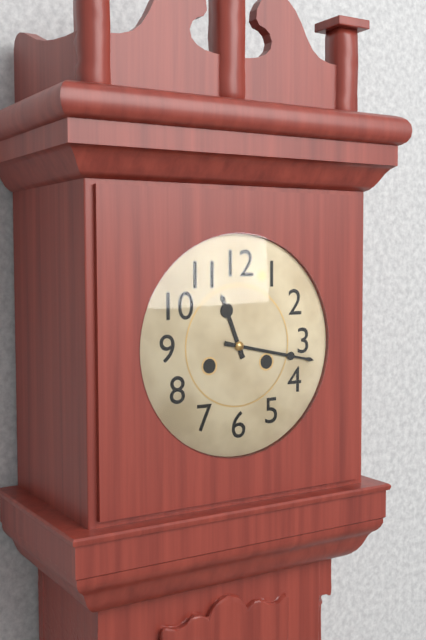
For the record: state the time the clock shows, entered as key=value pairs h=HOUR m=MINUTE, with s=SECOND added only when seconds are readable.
h=11 m=17
